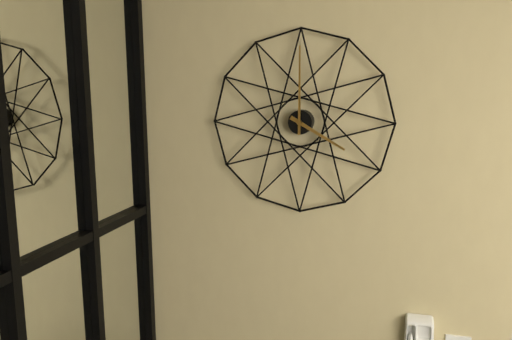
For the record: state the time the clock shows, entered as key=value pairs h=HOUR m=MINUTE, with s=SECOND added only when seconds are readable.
h=4 m=0
